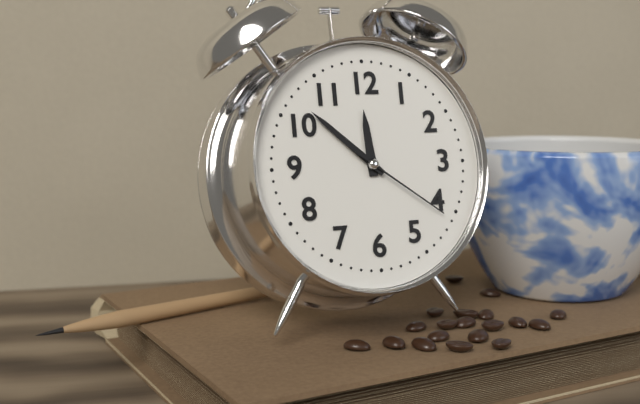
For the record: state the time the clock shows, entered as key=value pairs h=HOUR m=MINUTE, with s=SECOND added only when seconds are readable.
h=11 m=52 s=21
